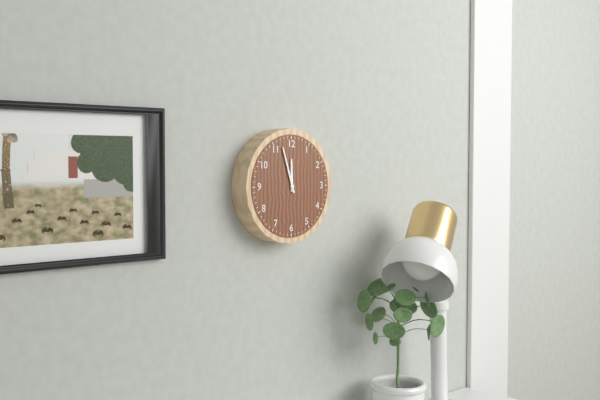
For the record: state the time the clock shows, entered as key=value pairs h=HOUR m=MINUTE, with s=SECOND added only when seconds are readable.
h=11 m=57
